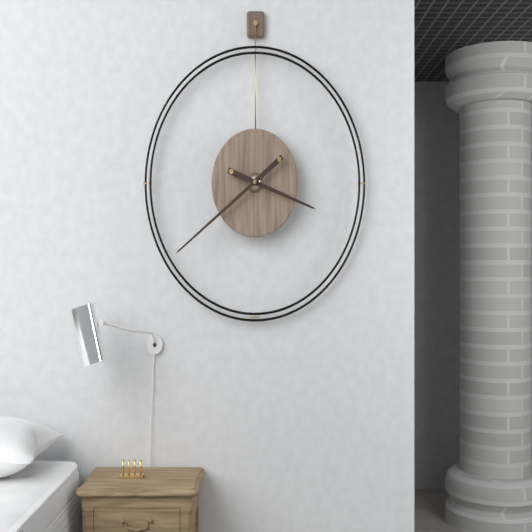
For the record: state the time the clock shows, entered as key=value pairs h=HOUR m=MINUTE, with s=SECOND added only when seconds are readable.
h=3 m=39
